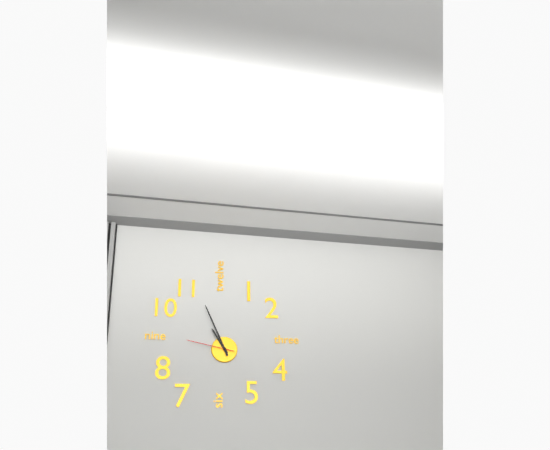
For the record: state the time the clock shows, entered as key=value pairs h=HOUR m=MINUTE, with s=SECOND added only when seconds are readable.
h=10 m=56
